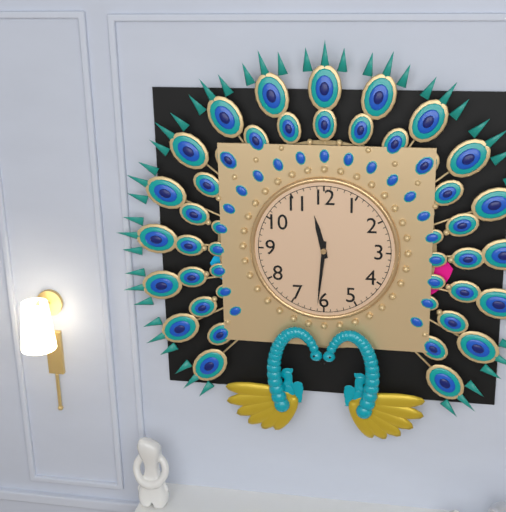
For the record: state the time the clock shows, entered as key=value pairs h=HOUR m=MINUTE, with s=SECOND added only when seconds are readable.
h=11 m=31
